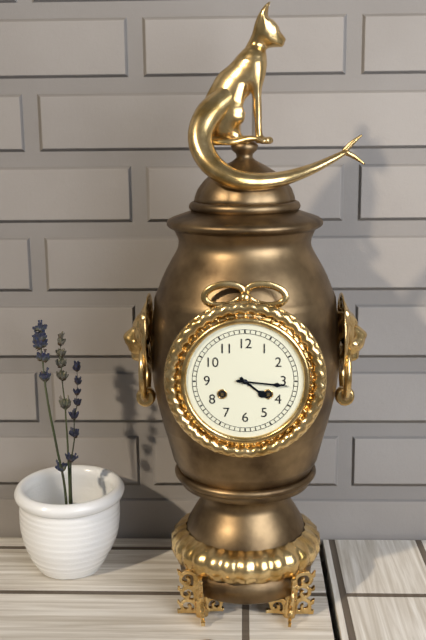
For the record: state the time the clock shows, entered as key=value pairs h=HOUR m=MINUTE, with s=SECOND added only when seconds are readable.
h=4 m=16
